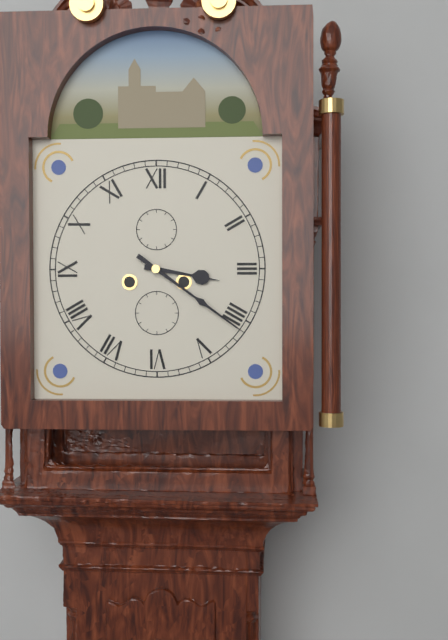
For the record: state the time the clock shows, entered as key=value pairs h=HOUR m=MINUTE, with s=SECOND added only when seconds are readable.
h=3 m=21
